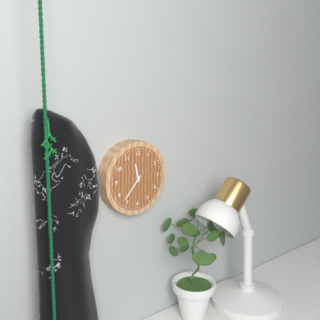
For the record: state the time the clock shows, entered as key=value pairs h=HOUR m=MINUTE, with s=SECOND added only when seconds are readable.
h=11 m=37
